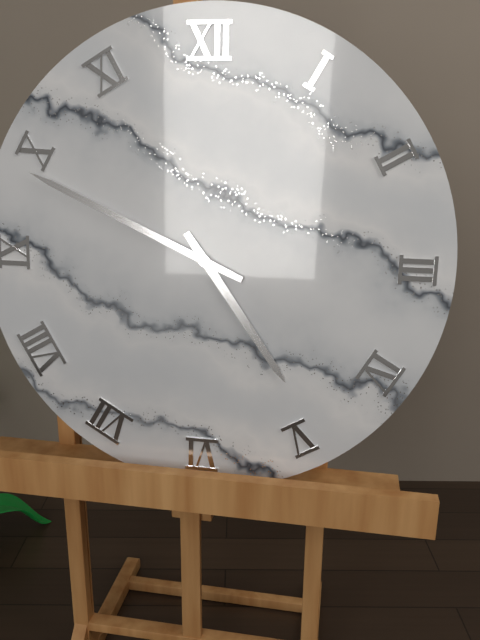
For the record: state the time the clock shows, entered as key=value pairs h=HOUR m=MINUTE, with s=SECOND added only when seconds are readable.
h=4 m=49
